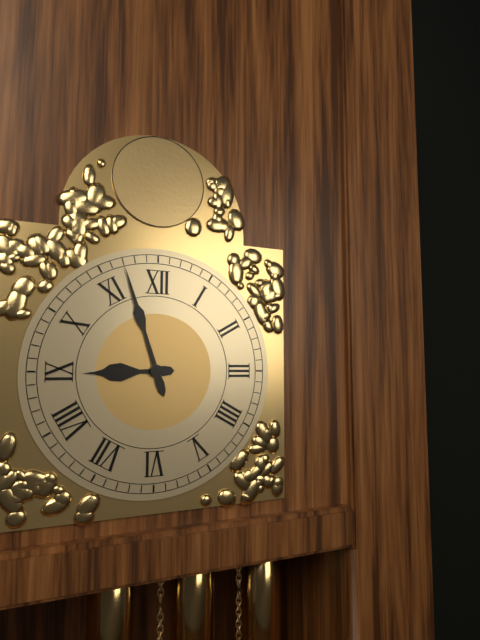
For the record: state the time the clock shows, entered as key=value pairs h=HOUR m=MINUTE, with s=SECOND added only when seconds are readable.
h=8 m=57
